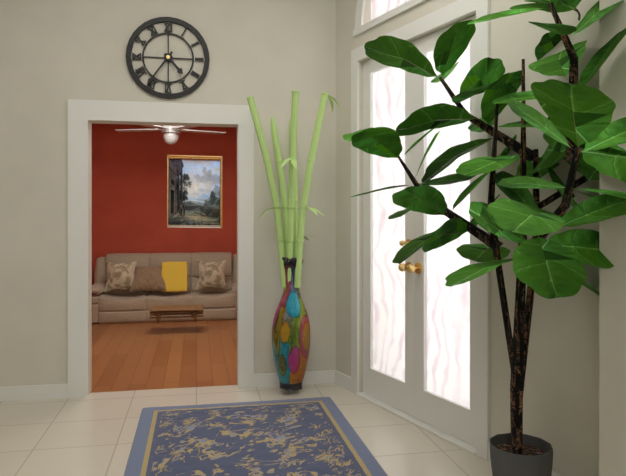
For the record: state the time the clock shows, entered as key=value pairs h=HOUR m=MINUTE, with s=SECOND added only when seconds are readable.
h=4 m=36
